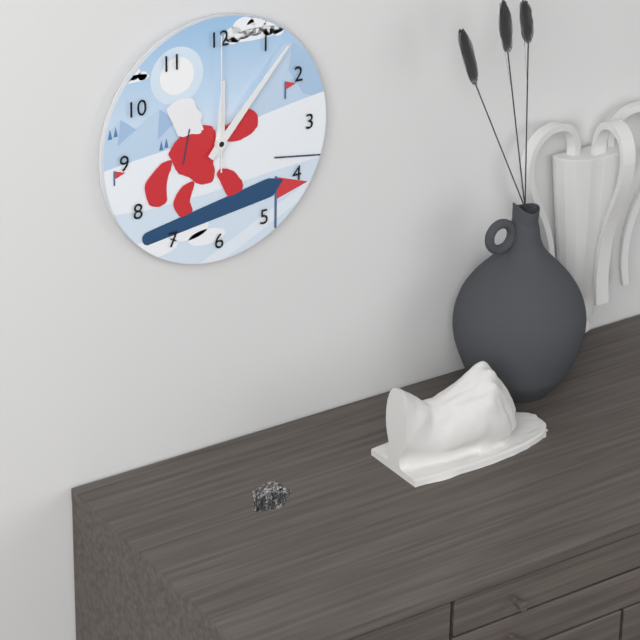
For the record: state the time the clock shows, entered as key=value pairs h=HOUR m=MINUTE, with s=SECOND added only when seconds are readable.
h=12 m=7 s=0
